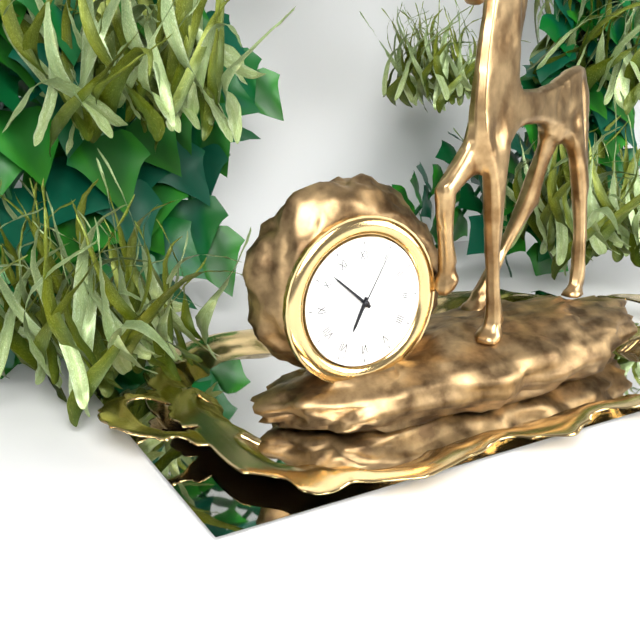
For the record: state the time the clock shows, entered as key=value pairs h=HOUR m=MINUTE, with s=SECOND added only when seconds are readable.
h=6 m=52 s=5
